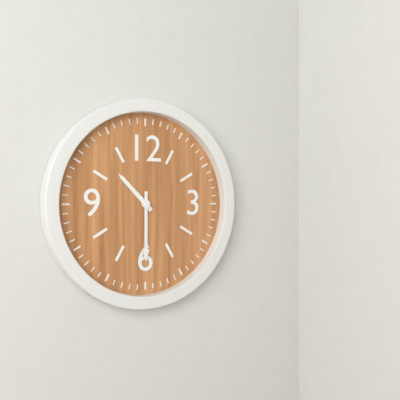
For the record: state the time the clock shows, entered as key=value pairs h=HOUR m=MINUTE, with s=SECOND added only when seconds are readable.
h=10 m=30
